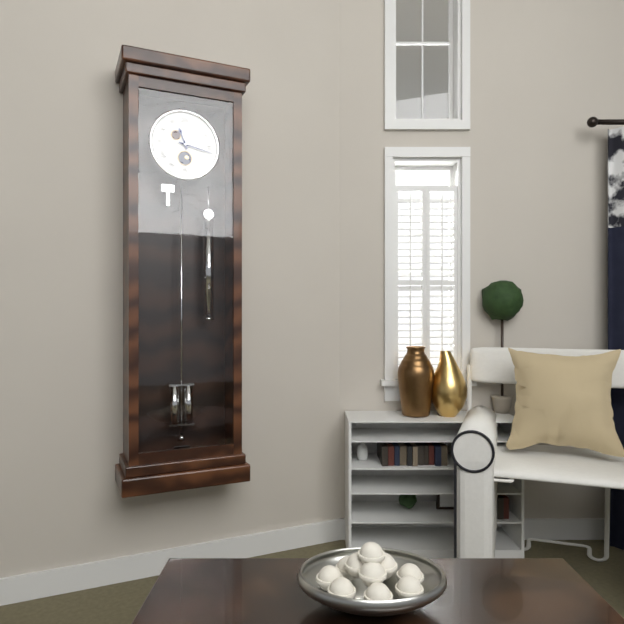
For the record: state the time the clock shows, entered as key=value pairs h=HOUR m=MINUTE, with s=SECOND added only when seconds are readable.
h=11 m=17
